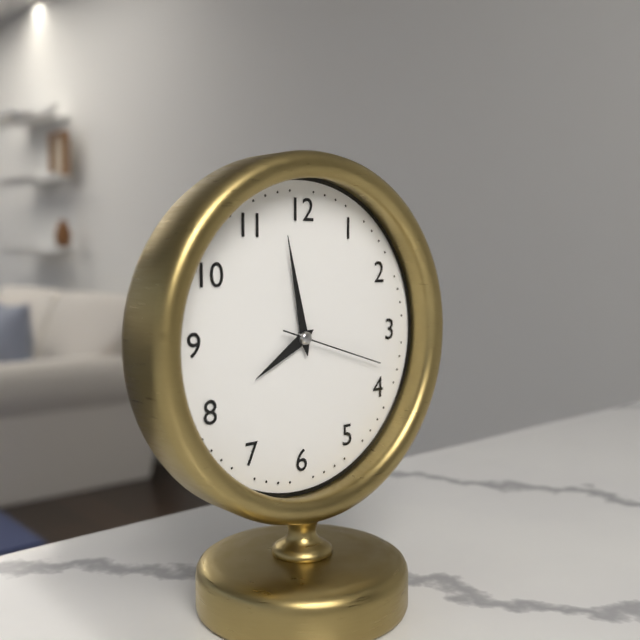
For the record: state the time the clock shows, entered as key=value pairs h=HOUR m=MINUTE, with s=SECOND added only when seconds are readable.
h=7 m=58 s=18
